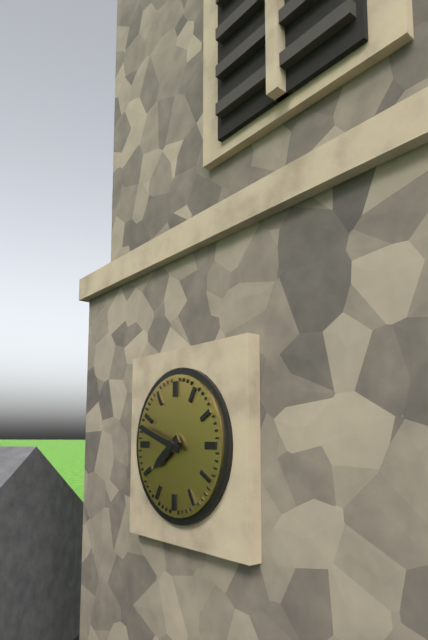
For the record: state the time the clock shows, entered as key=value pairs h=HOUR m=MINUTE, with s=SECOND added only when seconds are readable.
h=7 m=48
